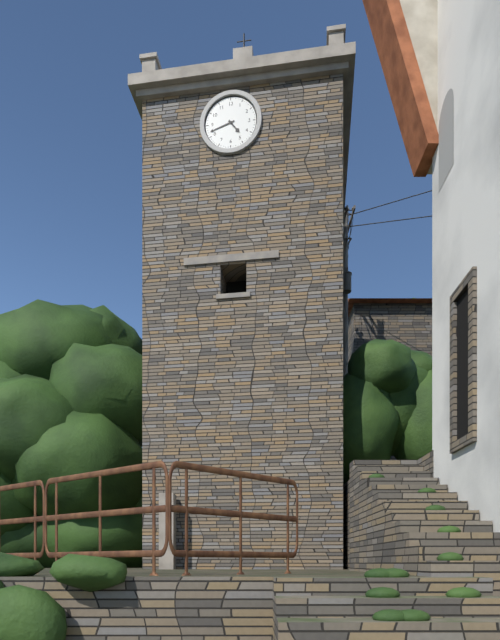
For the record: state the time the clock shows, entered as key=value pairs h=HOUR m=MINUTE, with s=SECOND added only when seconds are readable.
h=4 m=42
